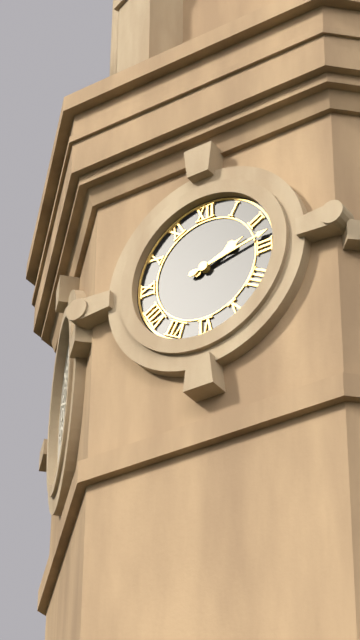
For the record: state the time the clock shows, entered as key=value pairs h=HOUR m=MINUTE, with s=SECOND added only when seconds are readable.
h=2 m=13
